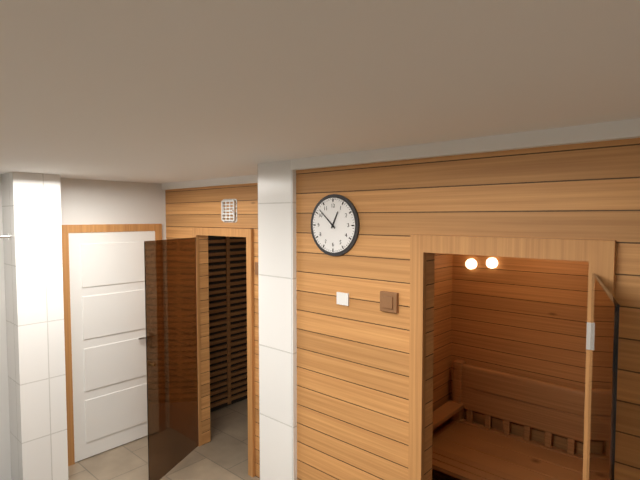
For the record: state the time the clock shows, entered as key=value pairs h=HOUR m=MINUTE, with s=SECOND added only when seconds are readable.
h=12 m=52
